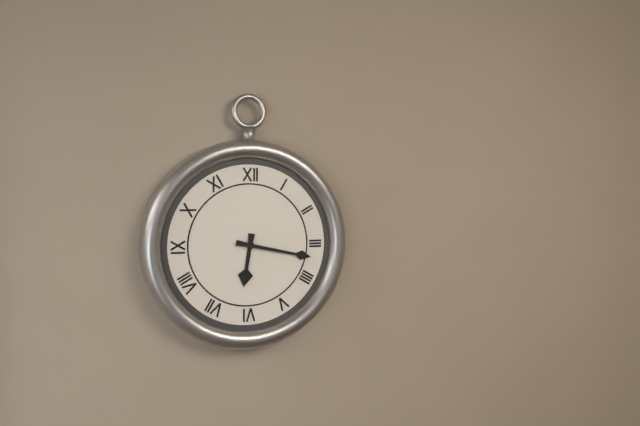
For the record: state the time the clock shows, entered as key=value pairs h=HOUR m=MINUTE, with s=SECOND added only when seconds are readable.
h=6 m=17
